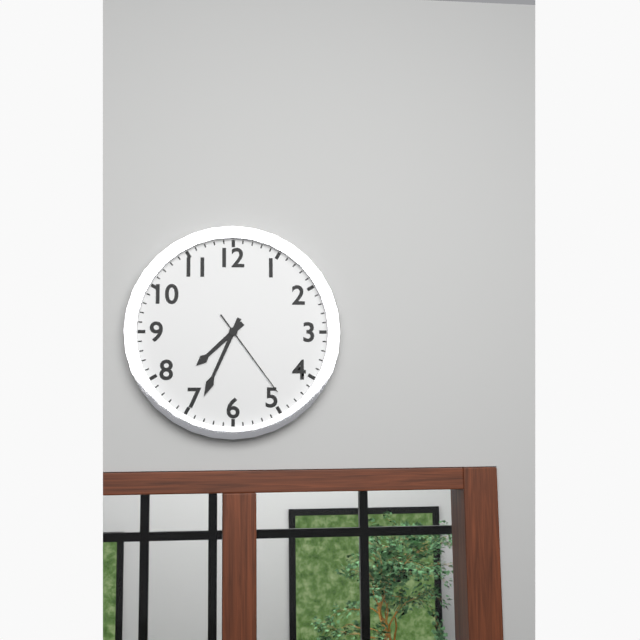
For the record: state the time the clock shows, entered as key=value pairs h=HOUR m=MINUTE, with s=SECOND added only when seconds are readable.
h=7 m=34 s=24
